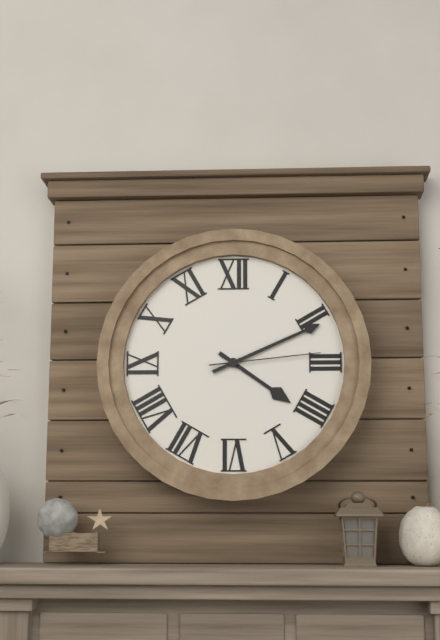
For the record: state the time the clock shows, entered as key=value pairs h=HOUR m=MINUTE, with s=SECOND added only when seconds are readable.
h=4 m=11 s=14
